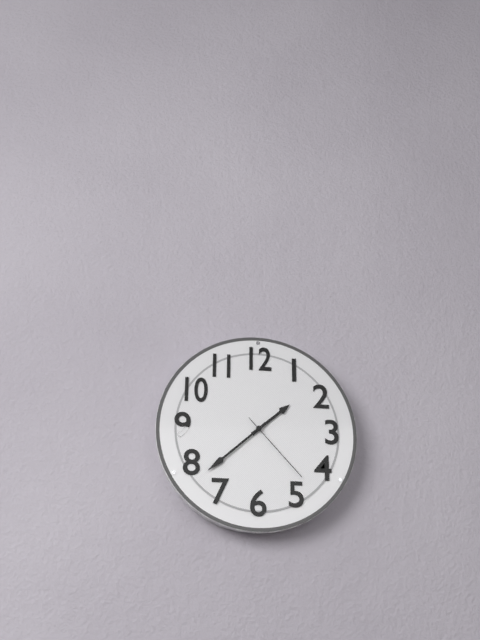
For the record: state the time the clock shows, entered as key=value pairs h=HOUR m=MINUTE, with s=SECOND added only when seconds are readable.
h=1 m=38 s=23
